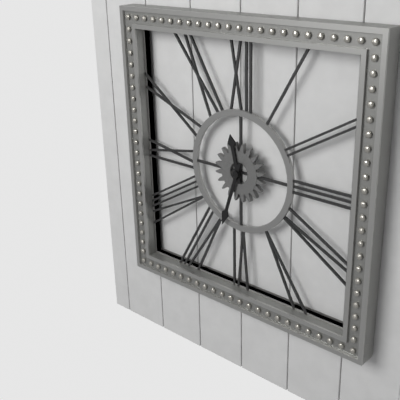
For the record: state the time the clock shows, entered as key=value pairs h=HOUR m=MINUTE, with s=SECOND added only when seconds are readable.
h=11 m=33
